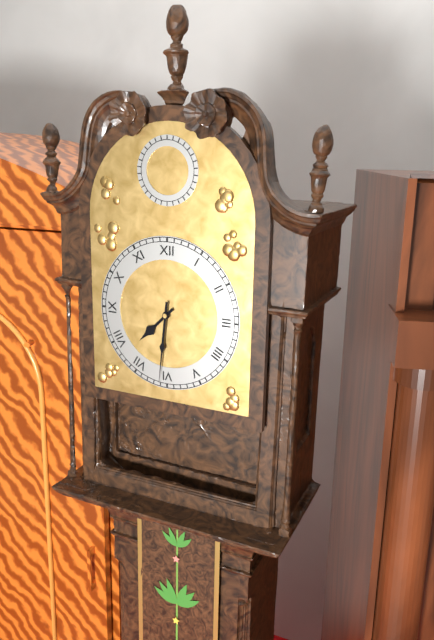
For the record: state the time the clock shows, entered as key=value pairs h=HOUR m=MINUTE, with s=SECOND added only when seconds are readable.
h=7 m=31
